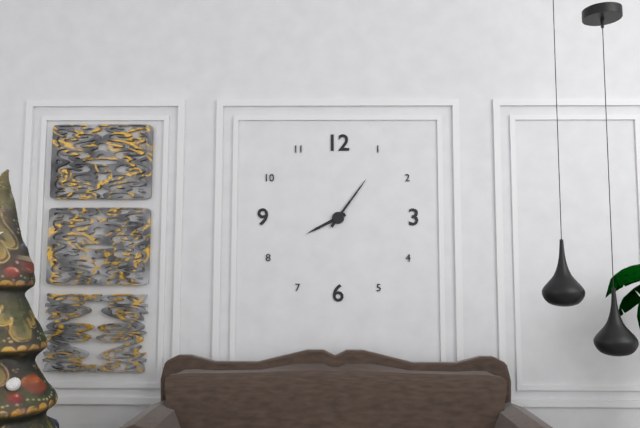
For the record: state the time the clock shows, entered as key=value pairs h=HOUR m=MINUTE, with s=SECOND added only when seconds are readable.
h=8 m=6
